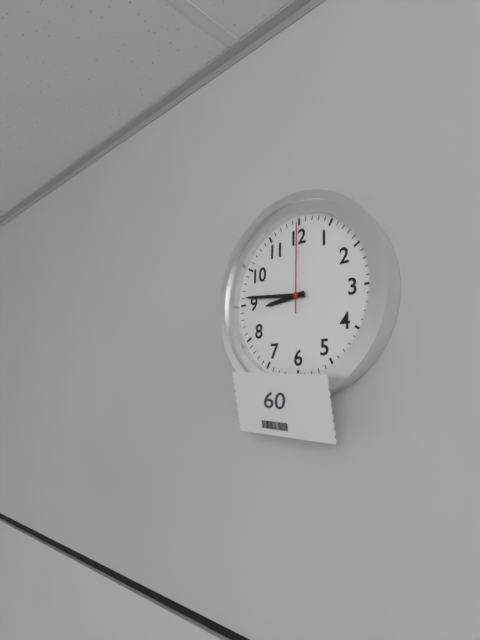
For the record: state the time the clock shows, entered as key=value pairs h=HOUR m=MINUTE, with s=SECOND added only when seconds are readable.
h=8 m=46 s=0
